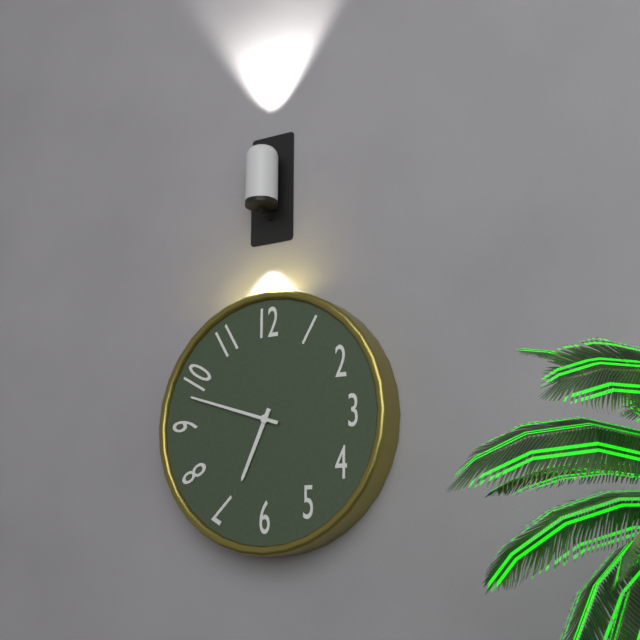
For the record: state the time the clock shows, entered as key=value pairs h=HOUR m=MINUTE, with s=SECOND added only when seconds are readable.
h=6 m=48
